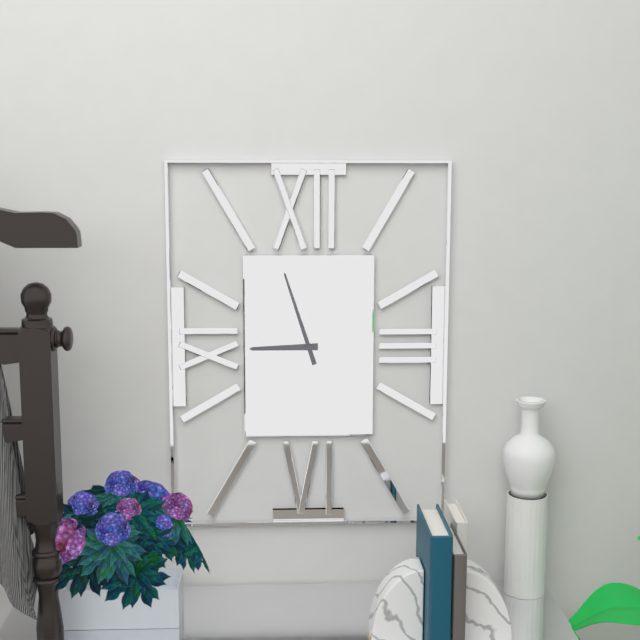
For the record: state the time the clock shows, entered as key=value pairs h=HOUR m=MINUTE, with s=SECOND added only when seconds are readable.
h=8 m=57
